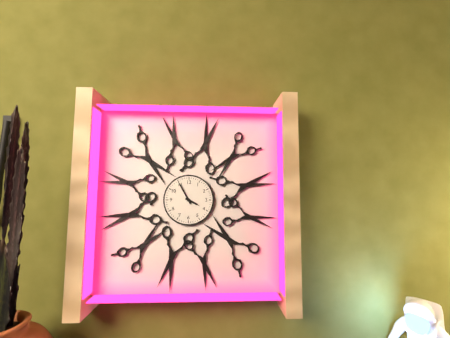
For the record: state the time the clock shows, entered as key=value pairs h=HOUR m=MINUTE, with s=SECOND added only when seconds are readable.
h=3 m=55
